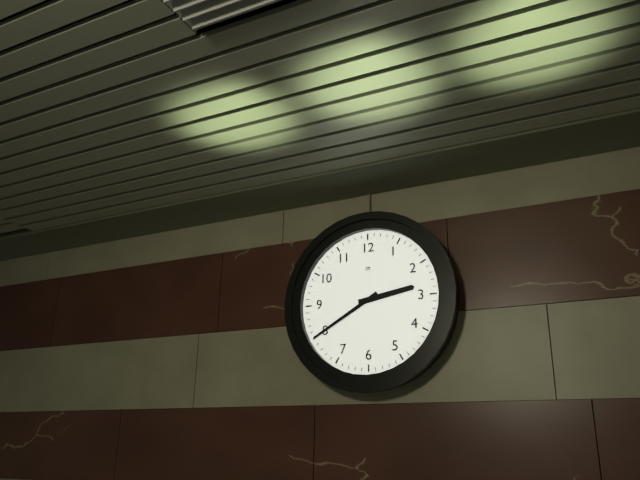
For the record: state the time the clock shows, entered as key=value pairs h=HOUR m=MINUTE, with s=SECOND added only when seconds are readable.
h=2 m=40
